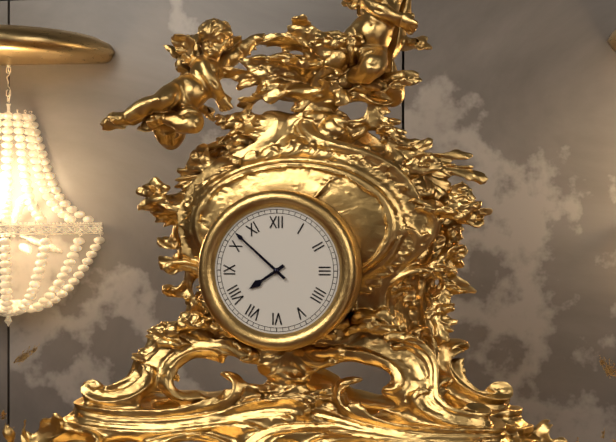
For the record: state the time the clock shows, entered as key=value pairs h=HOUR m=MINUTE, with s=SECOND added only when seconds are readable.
h=7 m=52
